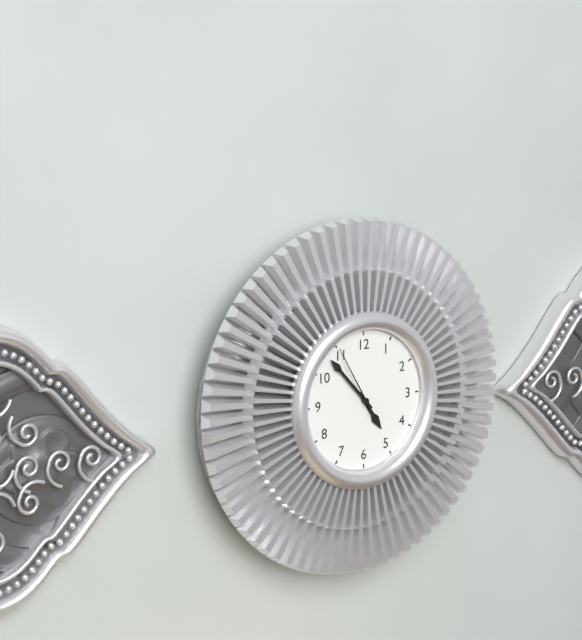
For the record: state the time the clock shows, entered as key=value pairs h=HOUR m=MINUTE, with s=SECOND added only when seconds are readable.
h=4 m=53 s=55
